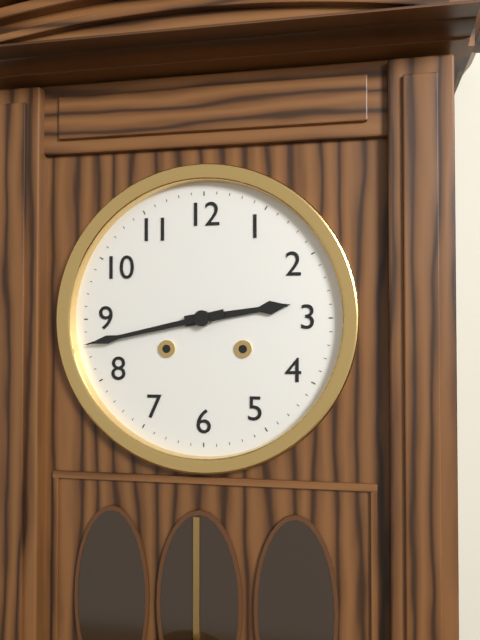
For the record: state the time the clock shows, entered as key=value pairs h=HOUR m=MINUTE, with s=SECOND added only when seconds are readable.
h=2 m=43
